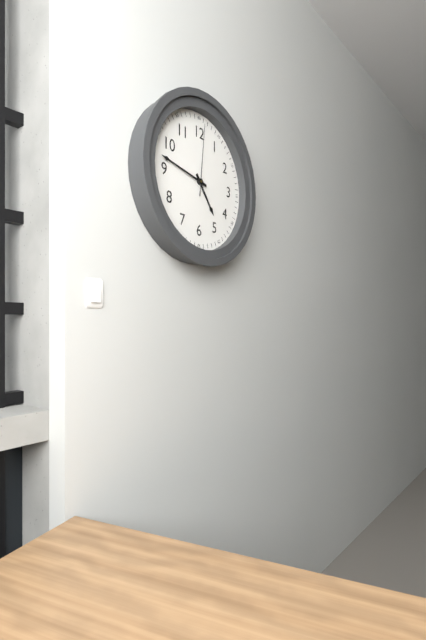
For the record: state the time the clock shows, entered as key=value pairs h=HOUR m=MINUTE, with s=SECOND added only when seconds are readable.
h=4 m=47 s=1
